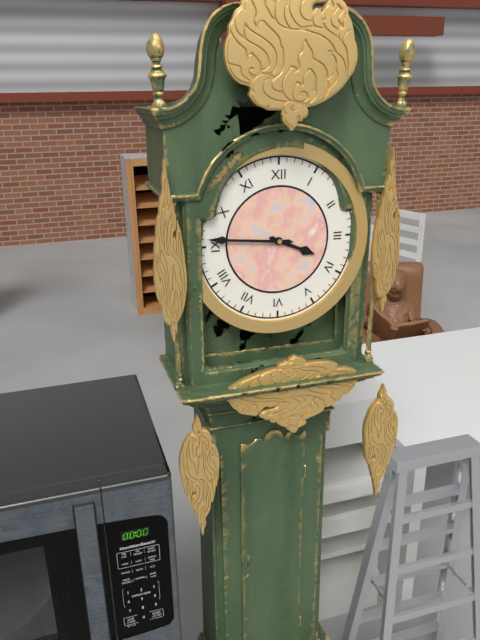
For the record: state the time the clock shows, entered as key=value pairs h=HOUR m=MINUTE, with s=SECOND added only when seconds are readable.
h=3 m=46
